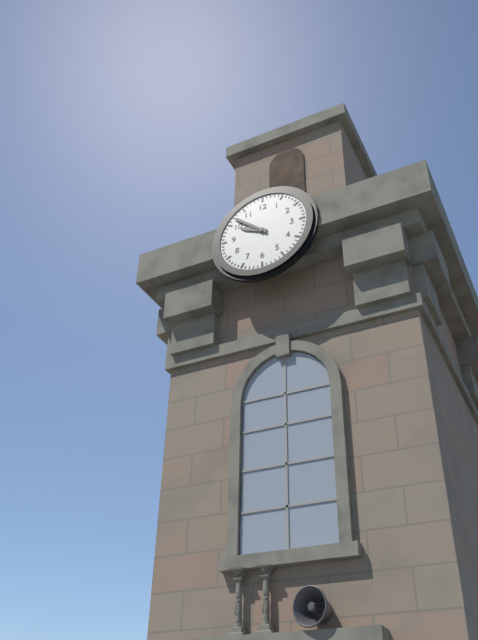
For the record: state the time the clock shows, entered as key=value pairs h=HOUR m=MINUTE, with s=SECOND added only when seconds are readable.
h=9 m=52
